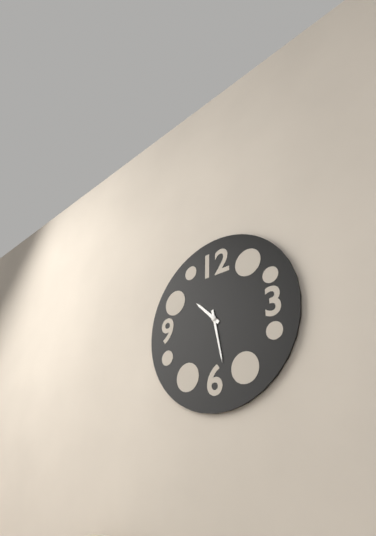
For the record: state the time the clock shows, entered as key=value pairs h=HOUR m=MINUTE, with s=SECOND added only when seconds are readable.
h=10 m=28
